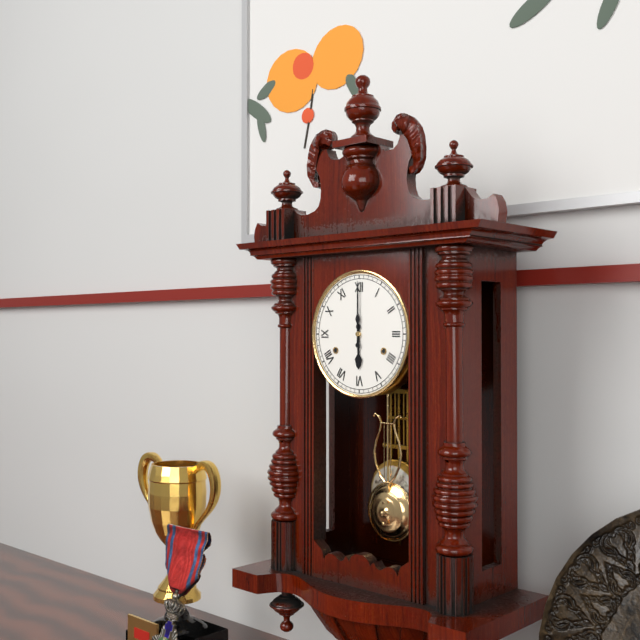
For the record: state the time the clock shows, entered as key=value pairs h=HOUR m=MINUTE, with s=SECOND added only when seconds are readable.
h=6 m=0
